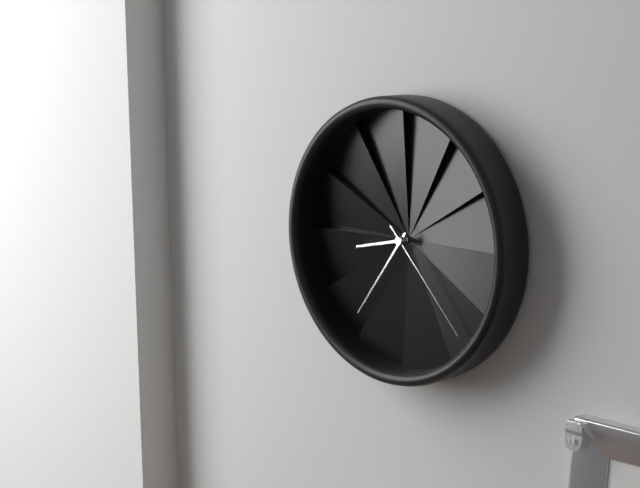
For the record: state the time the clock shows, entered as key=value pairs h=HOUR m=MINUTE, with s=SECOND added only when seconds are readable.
h=8 m=36 s=23
